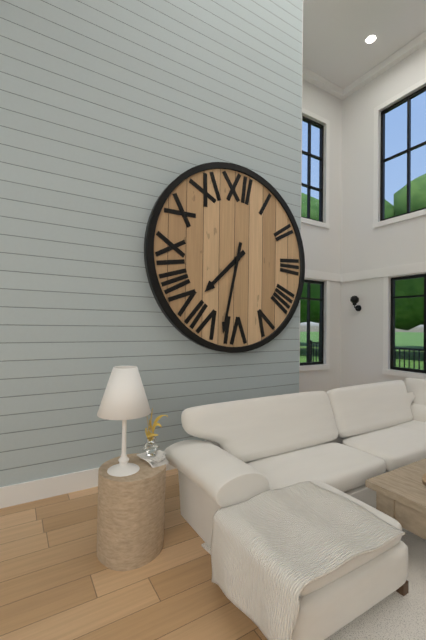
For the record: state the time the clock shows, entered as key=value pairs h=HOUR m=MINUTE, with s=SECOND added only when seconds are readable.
h=7 m=32
